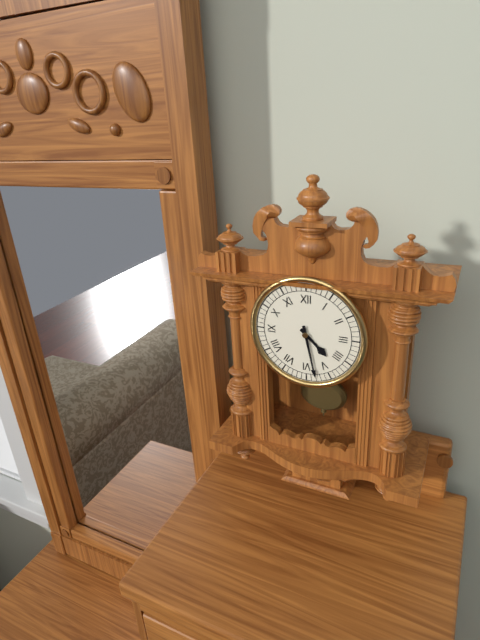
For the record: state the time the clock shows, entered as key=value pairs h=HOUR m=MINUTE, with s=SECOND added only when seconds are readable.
h=4 m=28
